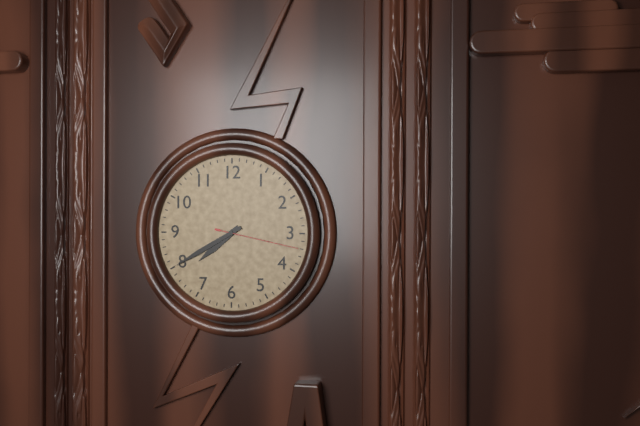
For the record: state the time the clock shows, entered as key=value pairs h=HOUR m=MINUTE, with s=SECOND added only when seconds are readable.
h=7 m=40 s=17
